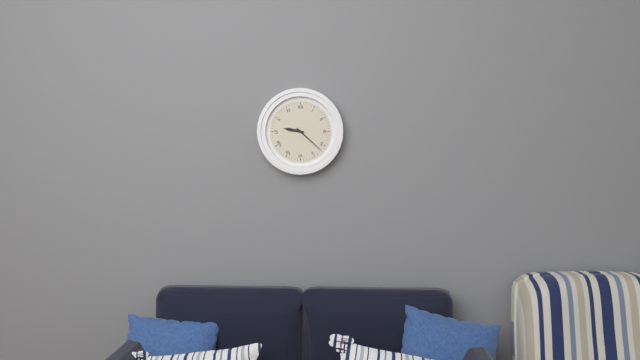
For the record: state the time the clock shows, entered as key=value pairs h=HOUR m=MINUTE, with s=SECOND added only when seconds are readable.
h=9 m=22
